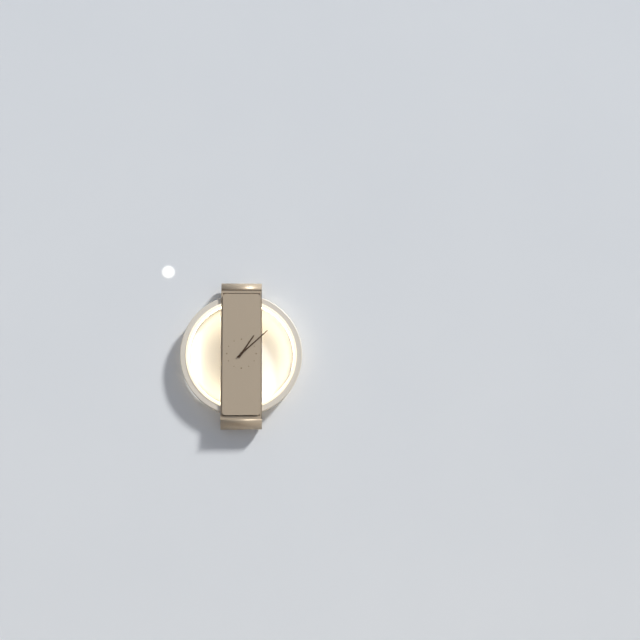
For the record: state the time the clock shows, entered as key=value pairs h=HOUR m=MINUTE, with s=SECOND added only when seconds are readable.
h=1 m=8
